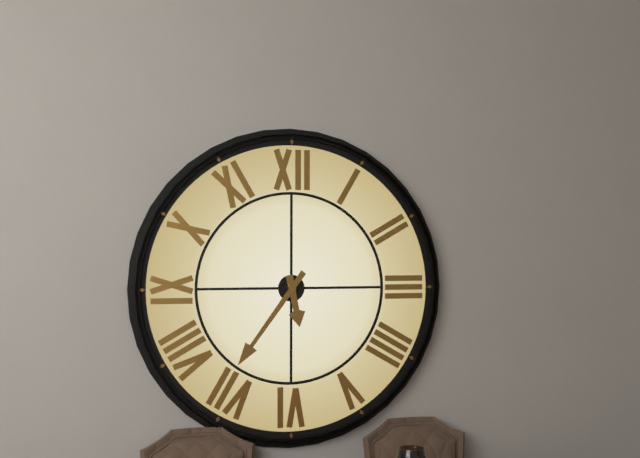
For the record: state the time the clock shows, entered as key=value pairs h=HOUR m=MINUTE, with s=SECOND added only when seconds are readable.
h=5 m=36
